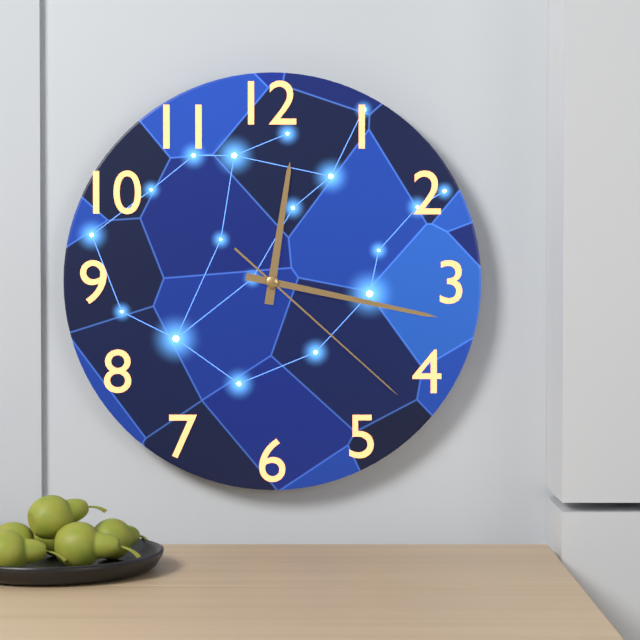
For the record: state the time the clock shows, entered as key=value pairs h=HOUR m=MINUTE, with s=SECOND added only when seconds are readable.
h=12 m=17 s=22
